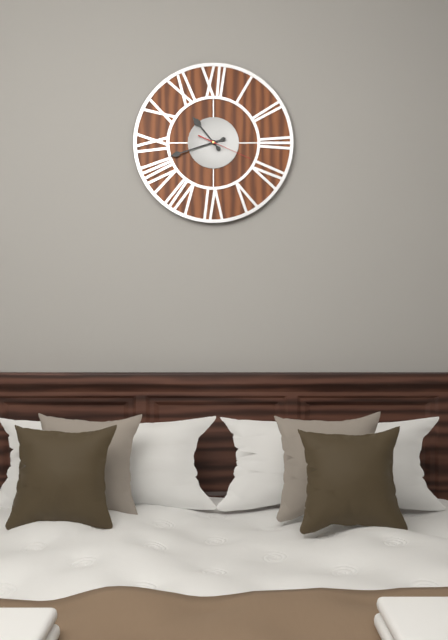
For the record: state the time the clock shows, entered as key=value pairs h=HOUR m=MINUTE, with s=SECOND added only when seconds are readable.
h=10 m=42 s=19
